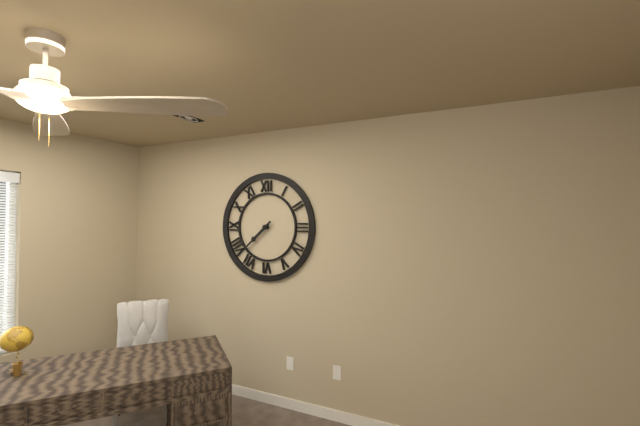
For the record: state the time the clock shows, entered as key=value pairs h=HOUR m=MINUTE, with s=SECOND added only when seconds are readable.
h=7 m=38
